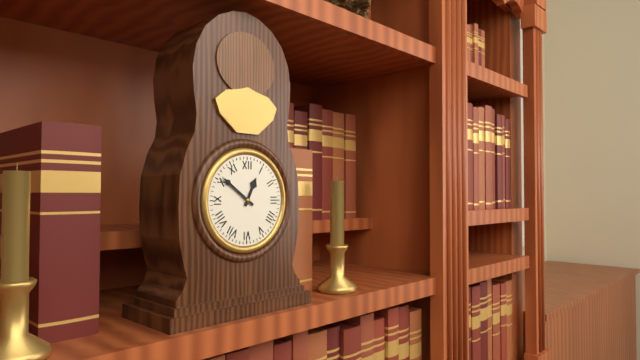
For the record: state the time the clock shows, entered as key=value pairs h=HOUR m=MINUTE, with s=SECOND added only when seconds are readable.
h=12 m=51
